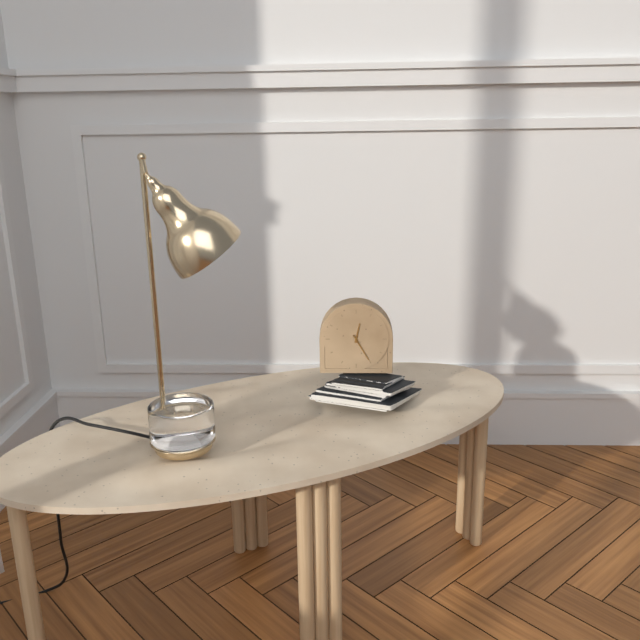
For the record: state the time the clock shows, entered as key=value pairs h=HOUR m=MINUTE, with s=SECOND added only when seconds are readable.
h=12 m=25
